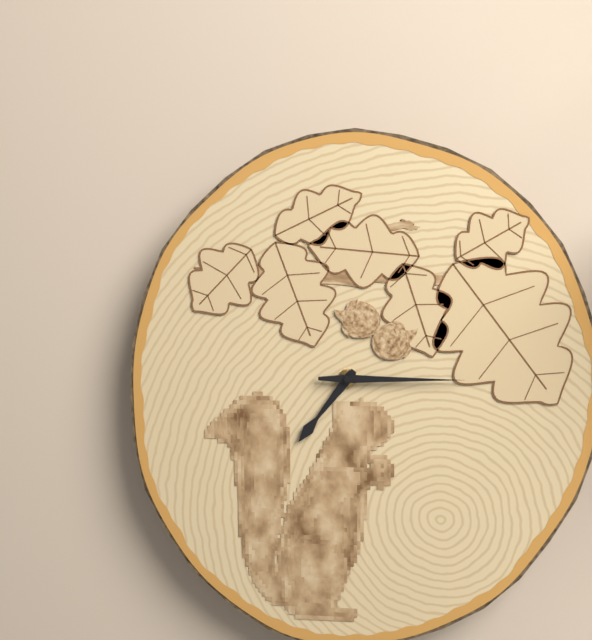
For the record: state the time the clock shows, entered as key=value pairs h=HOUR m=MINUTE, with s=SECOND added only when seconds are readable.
h=7 m=15
